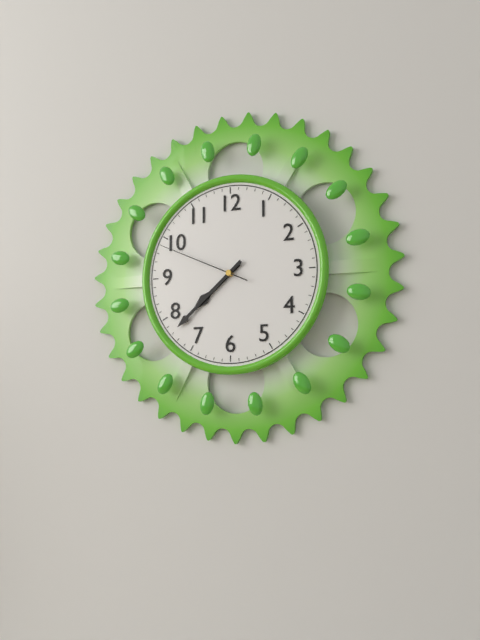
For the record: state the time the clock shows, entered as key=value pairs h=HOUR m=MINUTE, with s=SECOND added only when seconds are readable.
h=7 m=38 s=49
